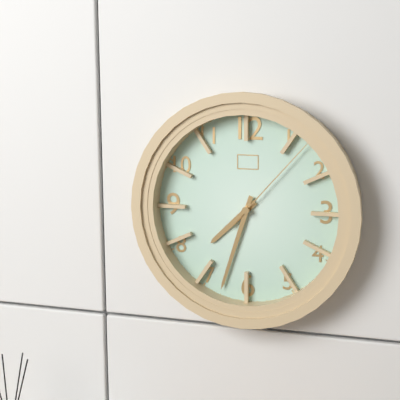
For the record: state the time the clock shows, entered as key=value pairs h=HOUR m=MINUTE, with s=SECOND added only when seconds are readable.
h=7 m=33 s=7
